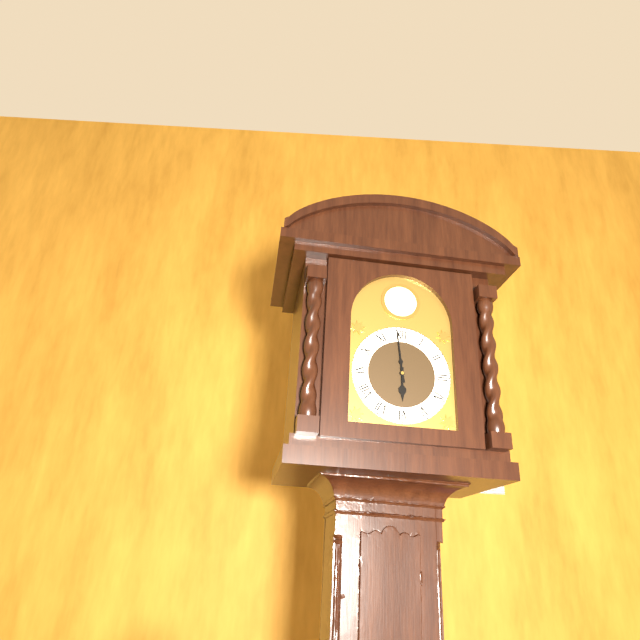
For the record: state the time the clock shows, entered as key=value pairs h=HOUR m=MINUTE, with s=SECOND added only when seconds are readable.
h=5 m=59
